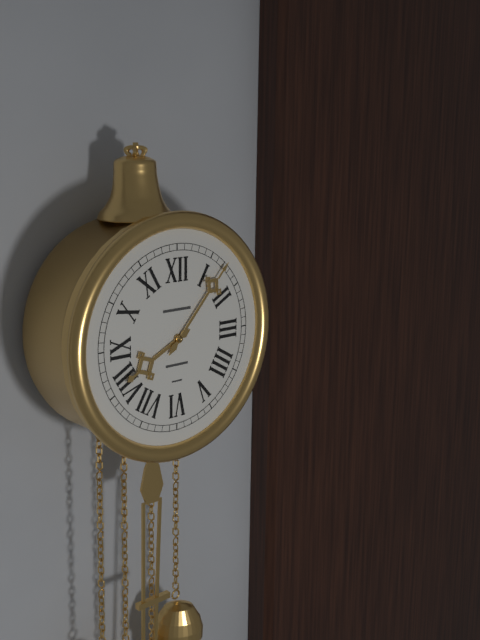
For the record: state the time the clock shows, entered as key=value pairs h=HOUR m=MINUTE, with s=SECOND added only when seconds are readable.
h=8 m=7
